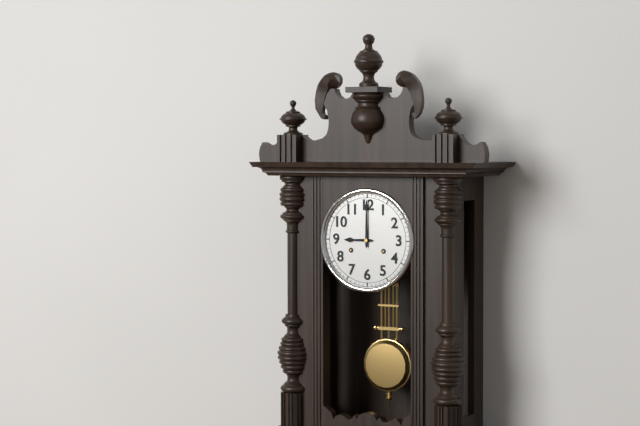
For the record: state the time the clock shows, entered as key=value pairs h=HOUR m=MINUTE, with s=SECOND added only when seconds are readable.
h=9 m=0
